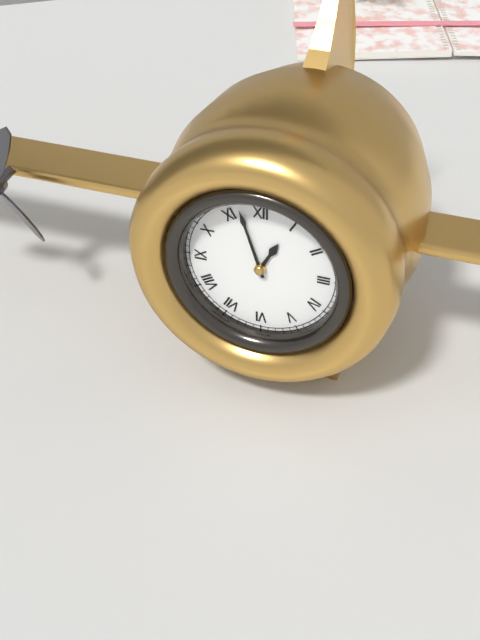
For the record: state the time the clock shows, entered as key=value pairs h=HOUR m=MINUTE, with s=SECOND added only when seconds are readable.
h=12 m=57
